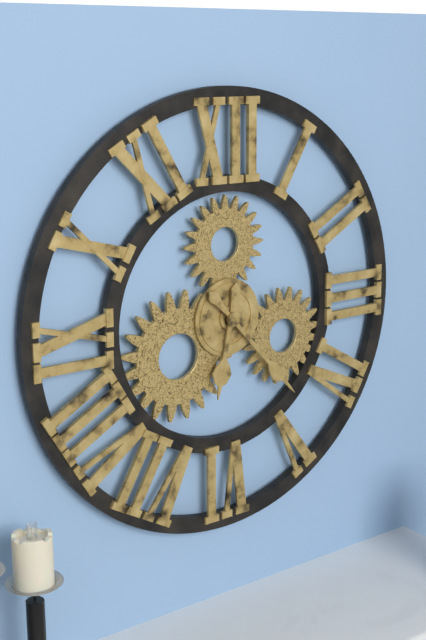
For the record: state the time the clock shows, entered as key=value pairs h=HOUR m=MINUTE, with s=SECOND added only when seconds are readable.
h=6 m=23
